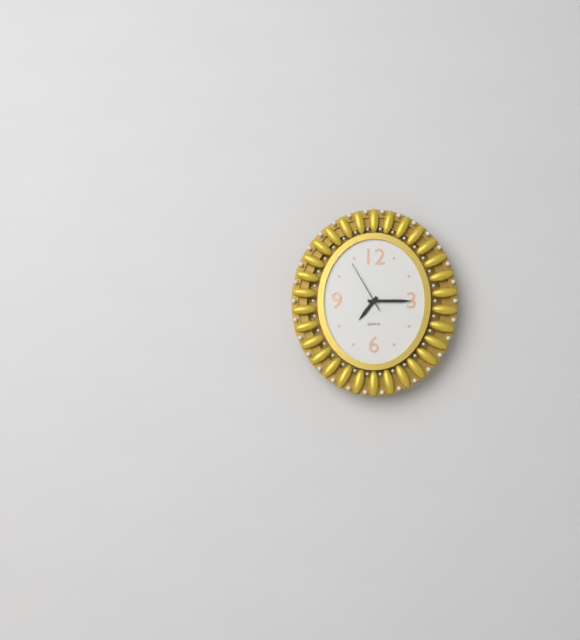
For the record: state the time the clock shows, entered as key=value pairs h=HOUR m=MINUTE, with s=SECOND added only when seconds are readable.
h=7 m=15 s=55
